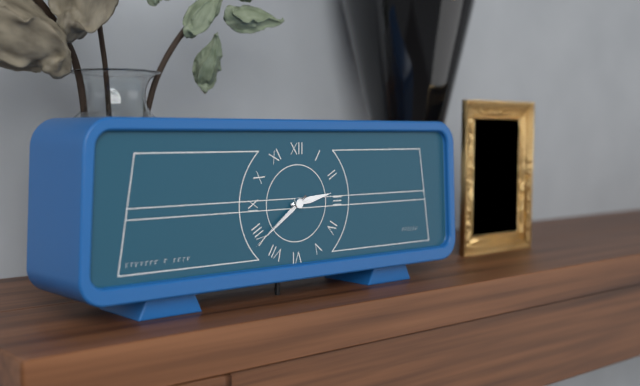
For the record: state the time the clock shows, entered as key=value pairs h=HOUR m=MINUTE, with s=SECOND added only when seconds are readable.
h=2 m=39
